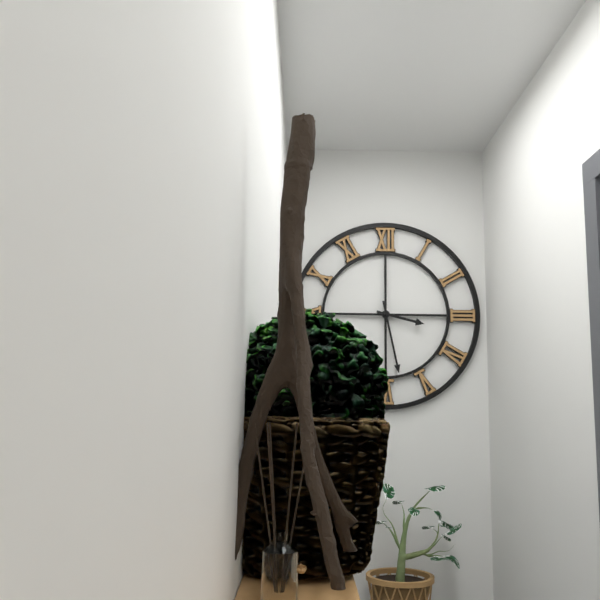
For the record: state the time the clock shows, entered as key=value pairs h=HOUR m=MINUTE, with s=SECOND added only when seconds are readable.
h=3 m=28
